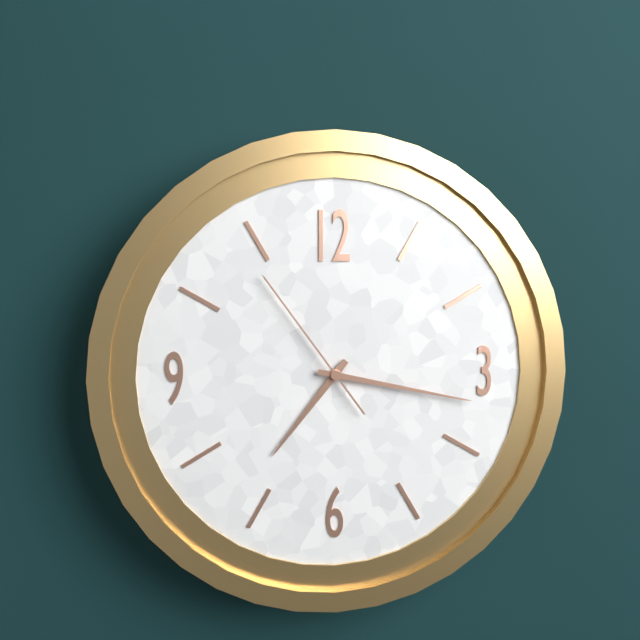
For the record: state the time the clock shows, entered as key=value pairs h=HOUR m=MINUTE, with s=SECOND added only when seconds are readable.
h=7 m=17 s=54
